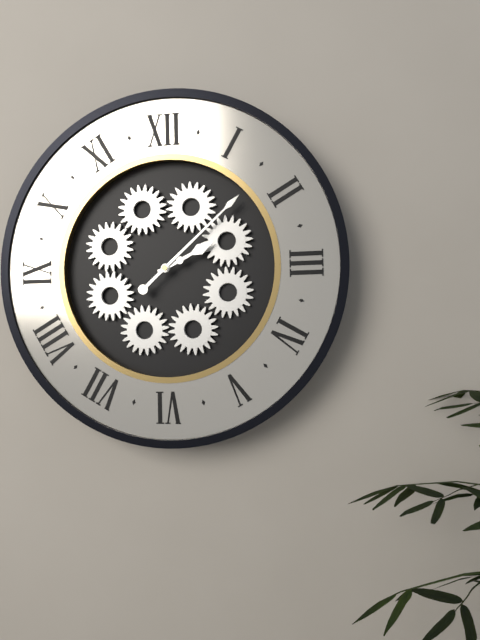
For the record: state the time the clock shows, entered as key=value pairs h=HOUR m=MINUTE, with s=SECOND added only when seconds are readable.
h=2 m=8
